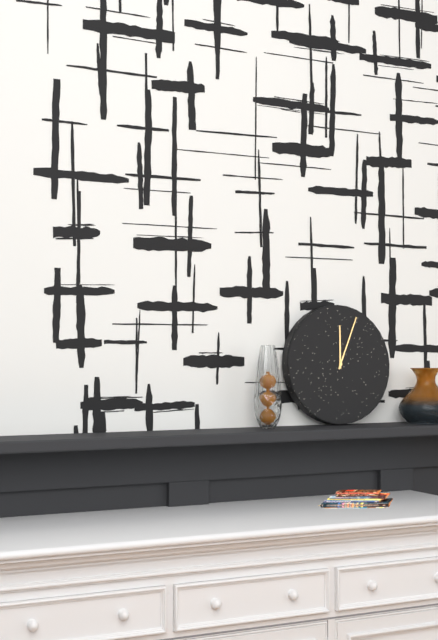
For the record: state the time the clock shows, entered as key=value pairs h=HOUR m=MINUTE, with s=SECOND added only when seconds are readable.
h=12 m=4
